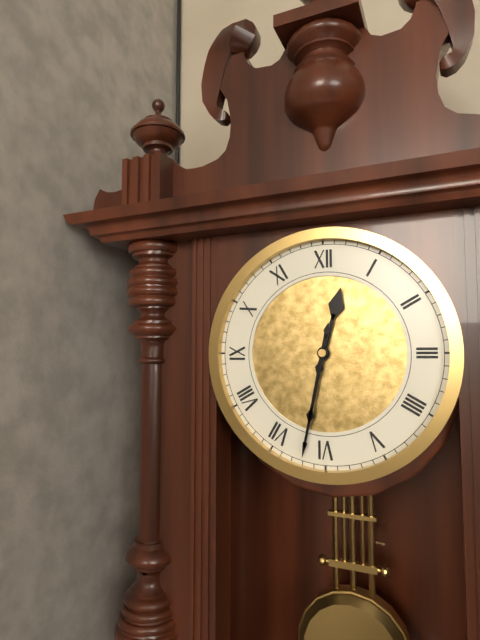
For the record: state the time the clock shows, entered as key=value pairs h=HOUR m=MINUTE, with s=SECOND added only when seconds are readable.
h=12 m=32
